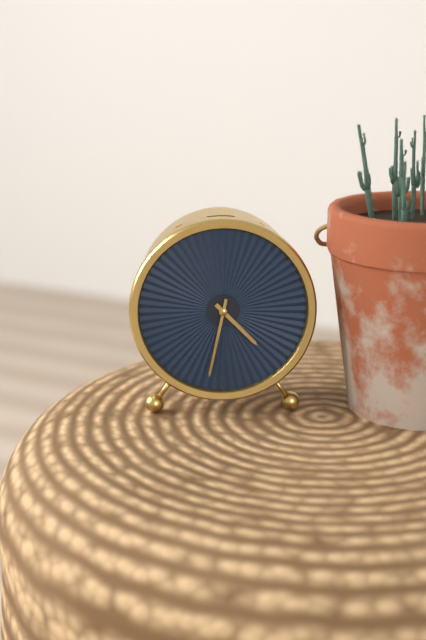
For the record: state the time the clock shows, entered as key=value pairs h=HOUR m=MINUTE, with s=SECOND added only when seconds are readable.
h=4 m=32
